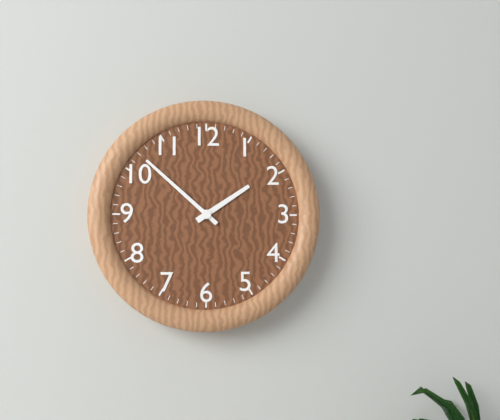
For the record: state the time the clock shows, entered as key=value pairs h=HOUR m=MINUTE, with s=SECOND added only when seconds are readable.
h=1 m=52
